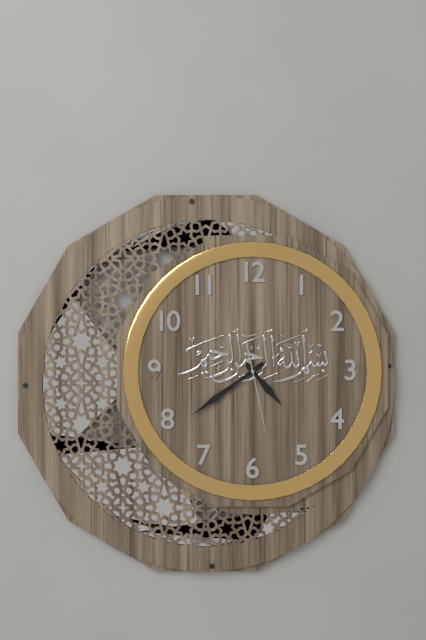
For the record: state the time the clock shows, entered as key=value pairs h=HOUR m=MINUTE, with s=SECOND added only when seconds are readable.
h=4 m=39 s=28
